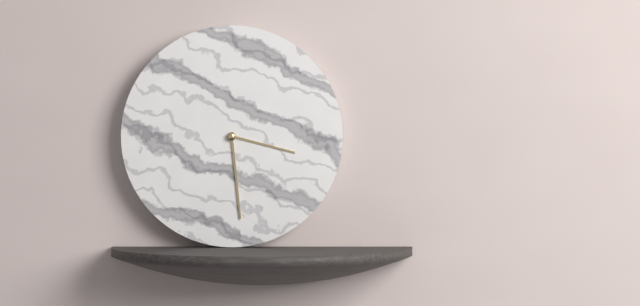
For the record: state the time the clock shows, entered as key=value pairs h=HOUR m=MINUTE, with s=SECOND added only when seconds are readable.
h=3 m=29
